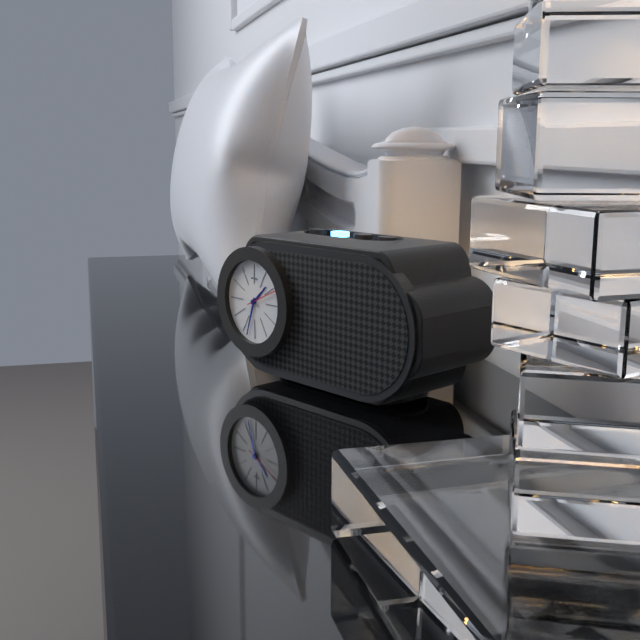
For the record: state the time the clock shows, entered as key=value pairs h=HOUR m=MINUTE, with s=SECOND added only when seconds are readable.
h=1 m=33
